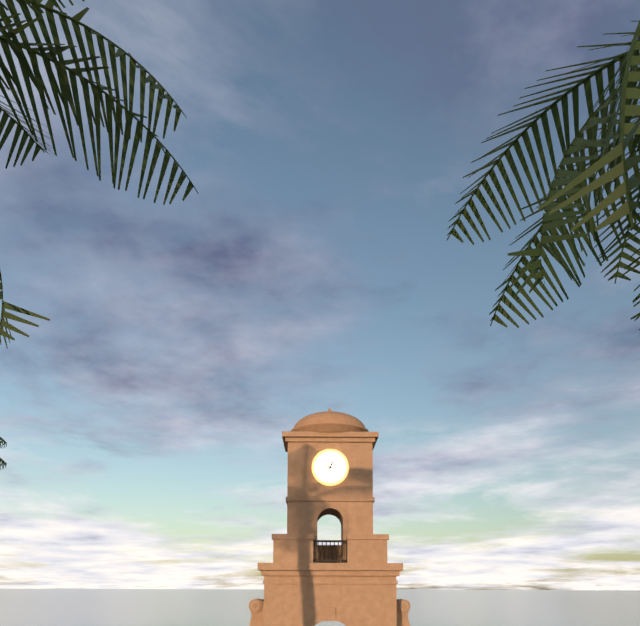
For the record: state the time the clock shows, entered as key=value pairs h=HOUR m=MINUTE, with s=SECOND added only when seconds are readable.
h=12 m=49
